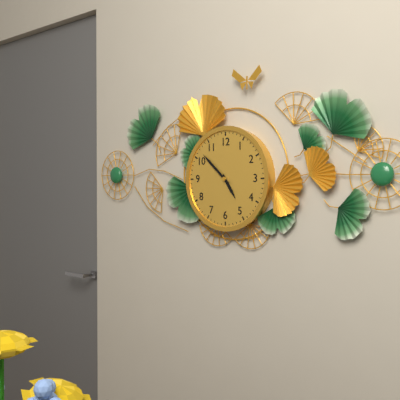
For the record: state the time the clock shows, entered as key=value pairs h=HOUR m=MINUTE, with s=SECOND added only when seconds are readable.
h=4 m=52
